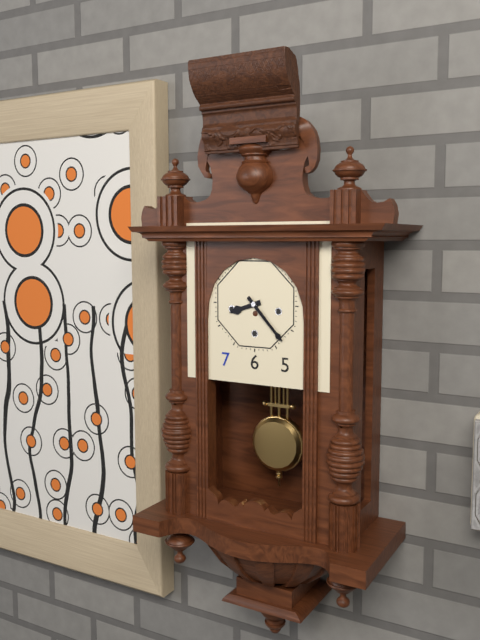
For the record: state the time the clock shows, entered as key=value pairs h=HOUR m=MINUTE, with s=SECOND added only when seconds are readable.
h=8 m=23
